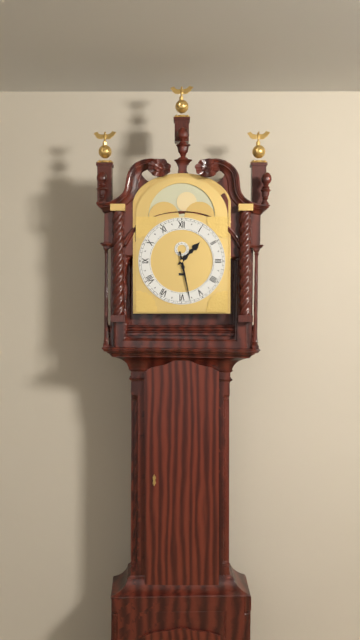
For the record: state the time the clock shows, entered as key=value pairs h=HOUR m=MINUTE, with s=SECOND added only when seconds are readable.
h=1 m=28
